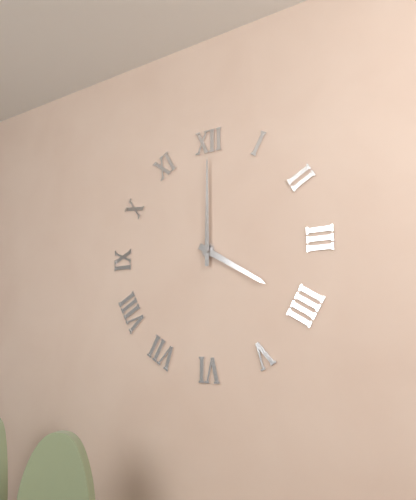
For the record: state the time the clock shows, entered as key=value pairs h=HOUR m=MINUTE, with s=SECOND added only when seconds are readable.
h=4 m=0
